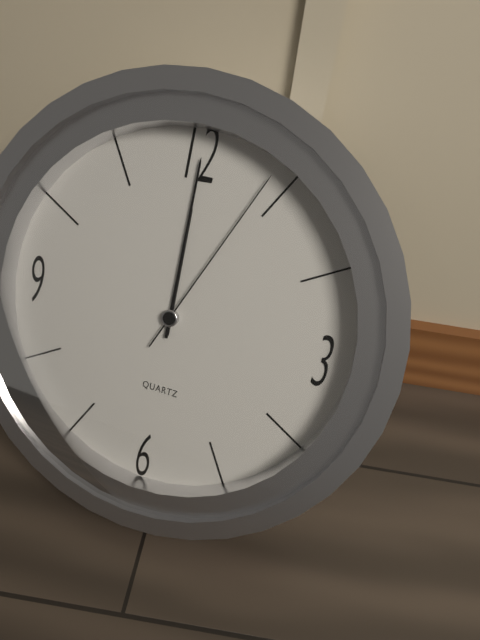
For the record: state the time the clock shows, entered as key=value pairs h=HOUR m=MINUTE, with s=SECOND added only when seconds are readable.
h=12 m=0 s=4
